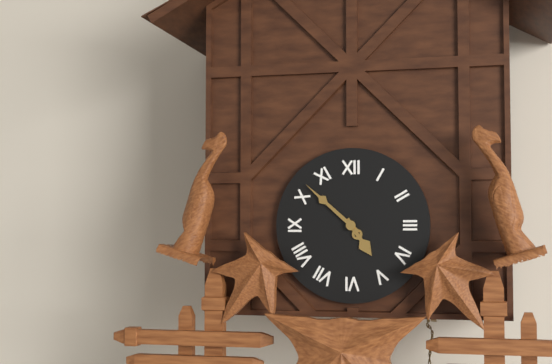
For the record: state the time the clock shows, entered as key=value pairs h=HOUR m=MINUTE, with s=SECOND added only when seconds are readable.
h=4 m=52
